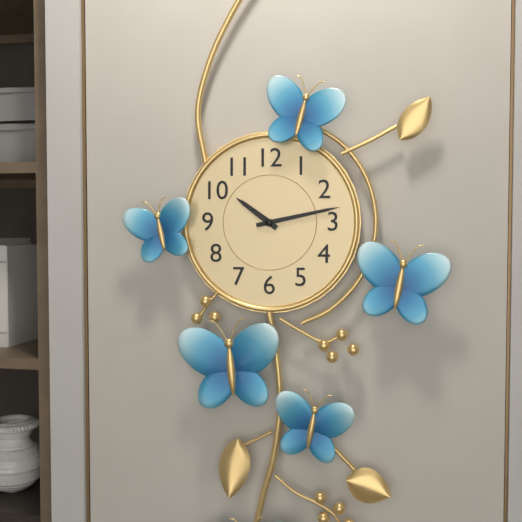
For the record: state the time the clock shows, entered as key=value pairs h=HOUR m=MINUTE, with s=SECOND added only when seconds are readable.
h=10 m=13
